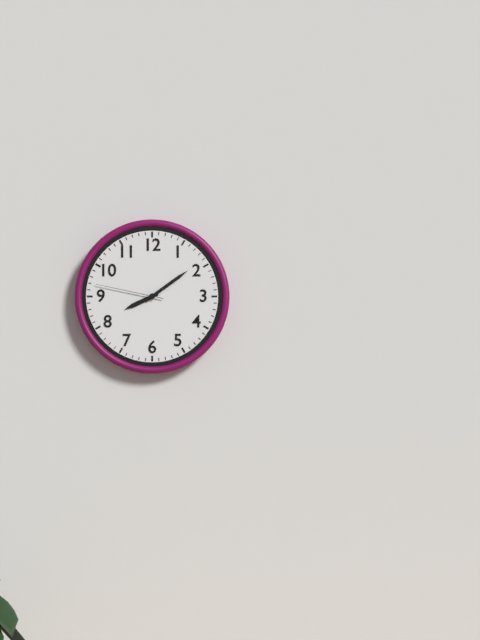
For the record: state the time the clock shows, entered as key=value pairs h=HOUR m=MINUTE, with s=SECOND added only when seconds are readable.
h=8 m=9 s=47
